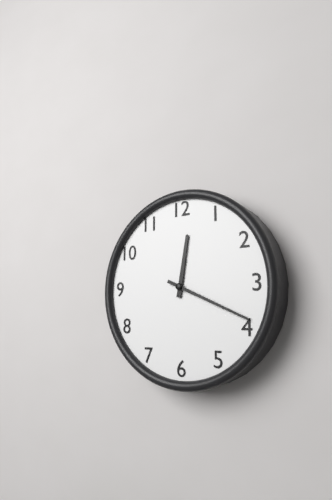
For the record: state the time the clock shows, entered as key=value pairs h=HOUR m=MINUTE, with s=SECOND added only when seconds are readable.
h=12 m=19
